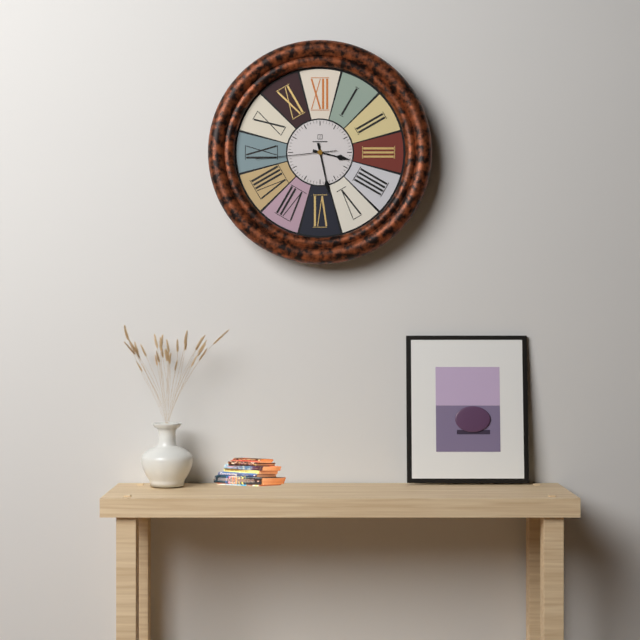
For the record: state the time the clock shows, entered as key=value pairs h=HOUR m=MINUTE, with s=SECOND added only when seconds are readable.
h=3 m=28 s=44
